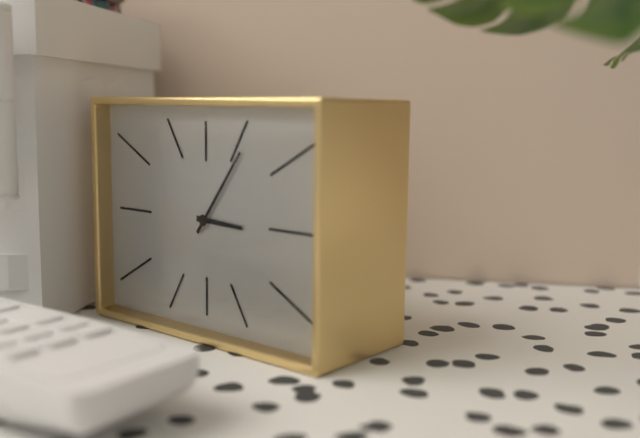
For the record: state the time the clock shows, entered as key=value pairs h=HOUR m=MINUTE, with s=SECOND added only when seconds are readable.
h=3 m=6
